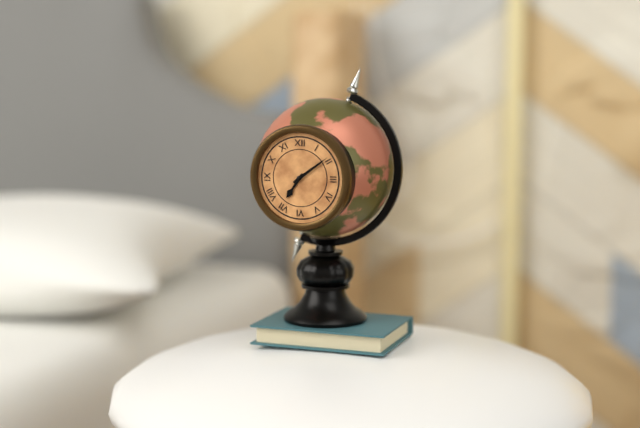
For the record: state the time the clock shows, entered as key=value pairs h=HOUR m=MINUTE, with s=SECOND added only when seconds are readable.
h=7 m=9
